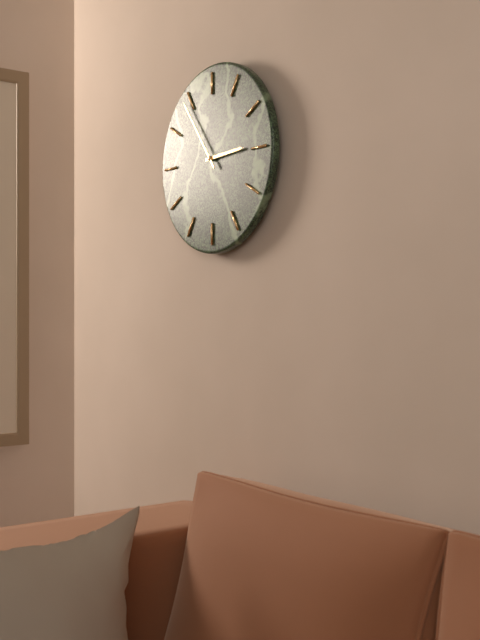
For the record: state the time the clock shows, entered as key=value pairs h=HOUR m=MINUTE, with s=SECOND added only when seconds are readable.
h=2 m=54
